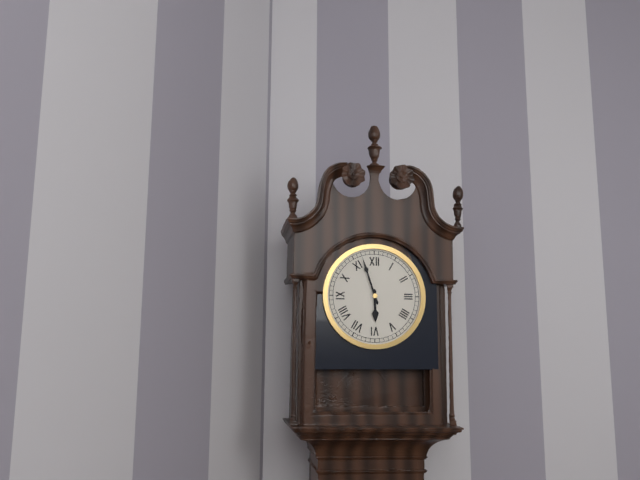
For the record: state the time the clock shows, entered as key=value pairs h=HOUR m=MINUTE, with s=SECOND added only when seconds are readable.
h=5 m=57
